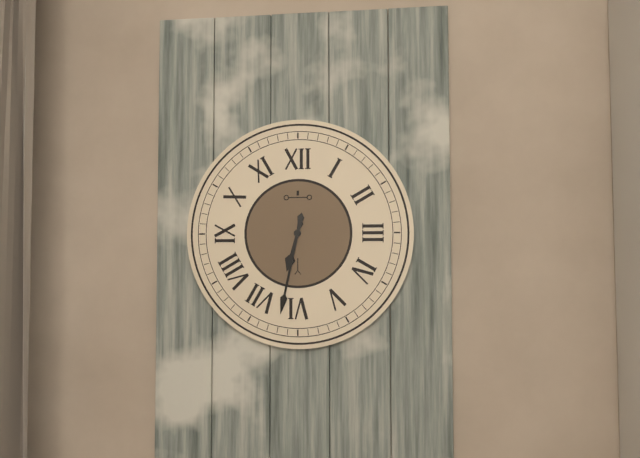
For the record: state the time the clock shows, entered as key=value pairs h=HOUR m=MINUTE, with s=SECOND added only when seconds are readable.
h=6 m=32
